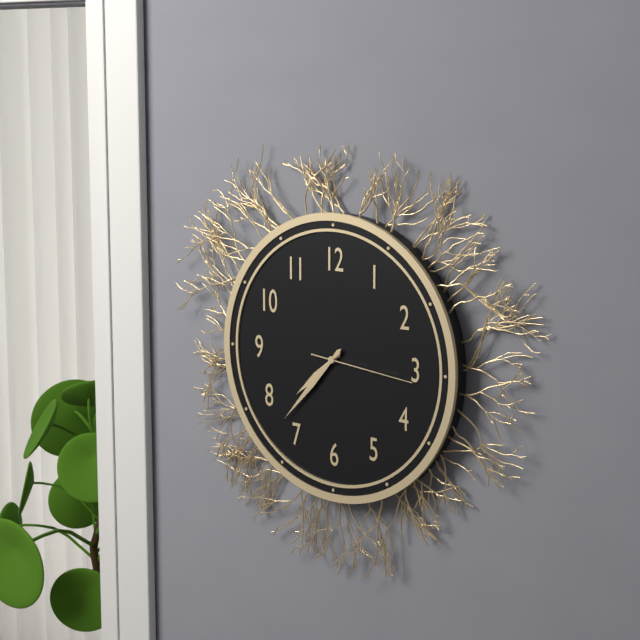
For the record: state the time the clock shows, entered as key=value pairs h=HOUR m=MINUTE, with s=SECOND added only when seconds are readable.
h=7 m=37 s=16
